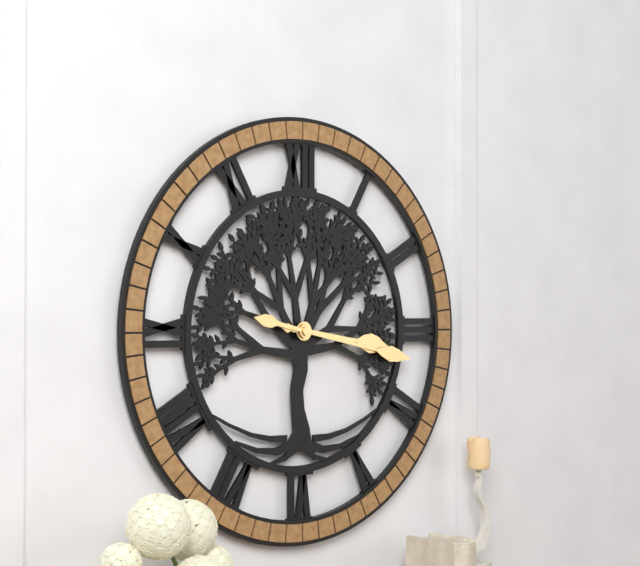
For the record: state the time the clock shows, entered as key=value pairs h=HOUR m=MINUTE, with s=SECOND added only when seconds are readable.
h=3 m=17
